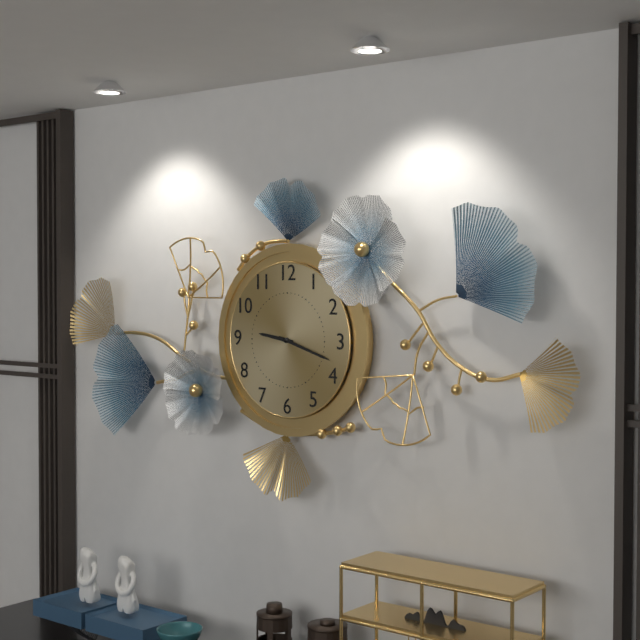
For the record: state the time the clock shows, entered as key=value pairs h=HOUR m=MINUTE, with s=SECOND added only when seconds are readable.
h=9 m=18
